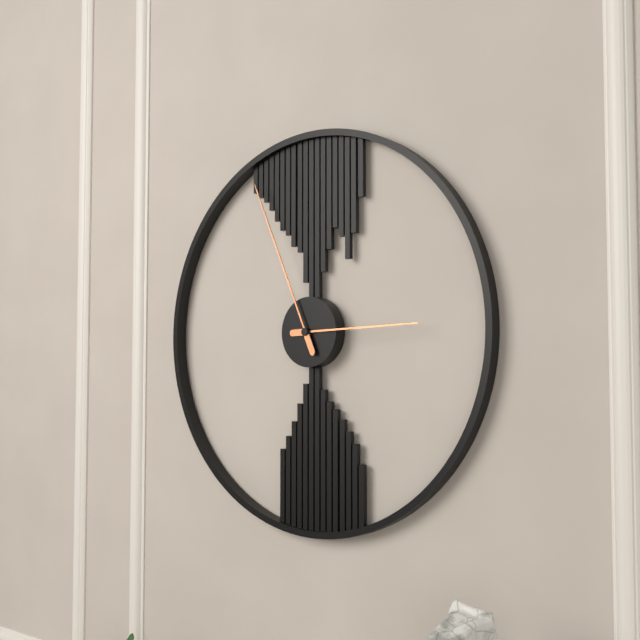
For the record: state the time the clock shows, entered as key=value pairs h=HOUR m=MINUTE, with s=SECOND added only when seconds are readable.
h=2 m=56
